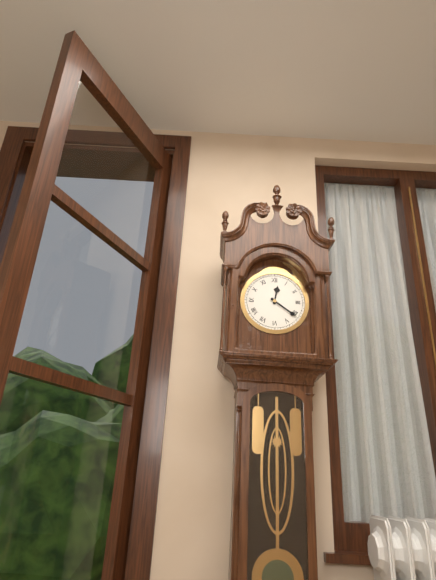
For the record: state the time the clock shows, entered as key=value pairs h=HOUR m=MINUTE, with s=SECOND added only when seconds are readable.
h=12 m=21
